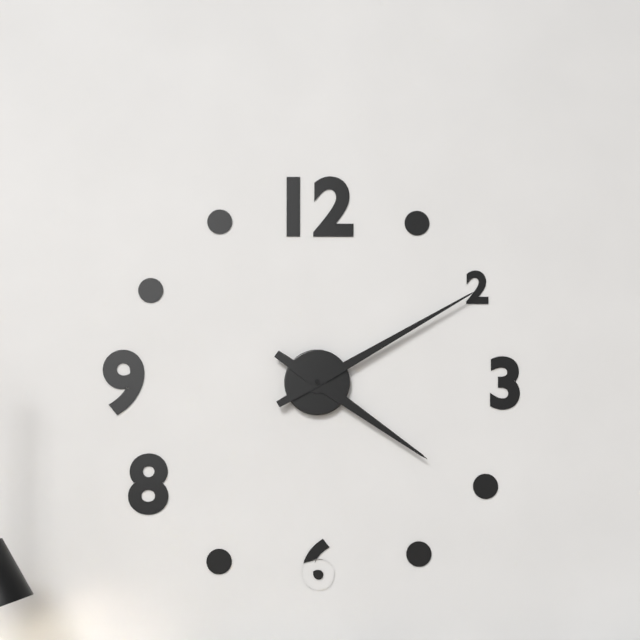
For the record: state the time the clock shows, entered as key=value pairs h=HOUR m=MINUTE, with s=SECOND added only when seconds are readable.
h=4 m=10
